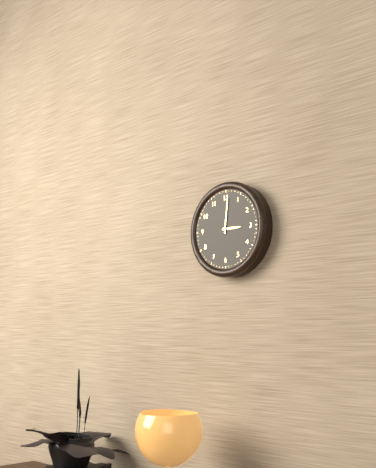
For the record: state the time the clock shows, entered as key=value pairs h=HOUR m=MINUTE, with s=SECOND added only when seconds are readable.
h=3 m=1
